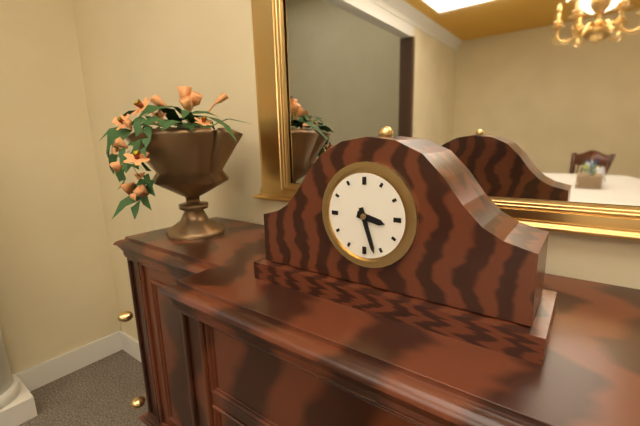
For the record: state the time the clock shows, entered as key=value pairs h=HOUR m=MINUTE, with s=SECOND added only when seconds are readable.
h=3 m=27
